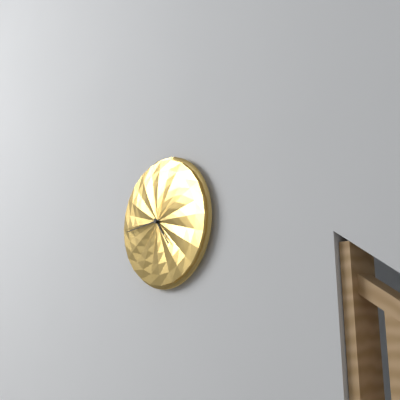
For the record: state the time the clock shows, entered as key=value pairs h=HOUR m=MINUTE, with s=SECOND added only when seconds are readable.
h=4 m=44
